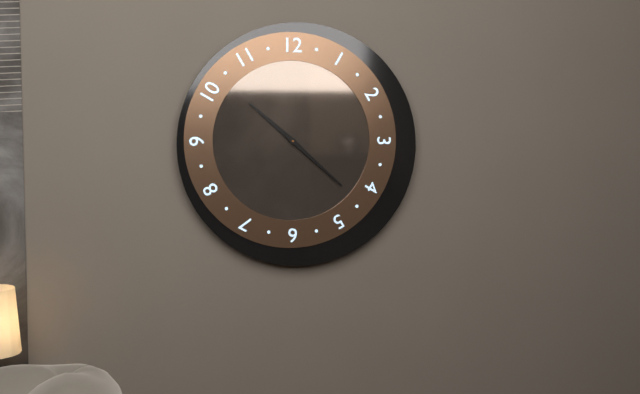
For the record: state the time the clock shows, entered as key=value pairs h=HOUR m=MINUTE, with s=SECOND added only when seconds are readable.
h=10 m=22
